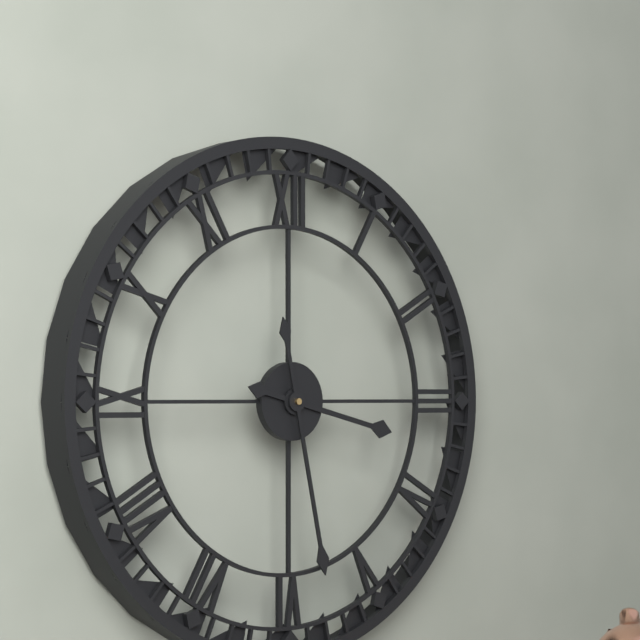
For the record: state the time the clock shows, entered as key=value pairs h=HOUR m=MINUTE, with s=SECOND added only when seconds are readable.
h=3 m=28
